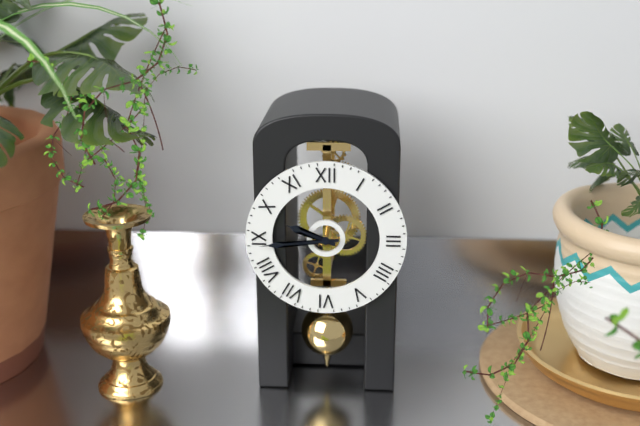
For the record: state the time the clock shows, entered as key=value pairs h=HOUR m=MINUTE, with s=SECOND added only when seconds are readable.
h=9 m=44
